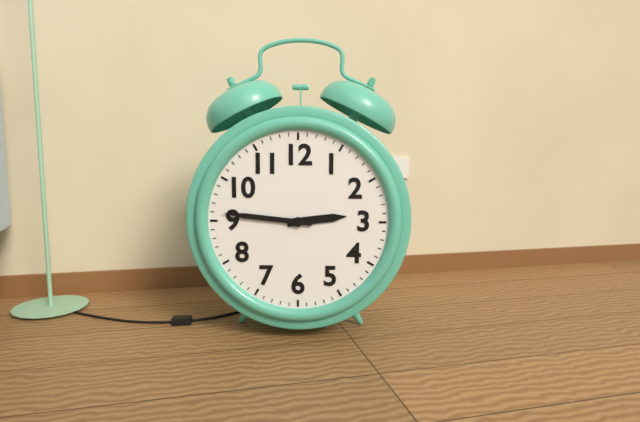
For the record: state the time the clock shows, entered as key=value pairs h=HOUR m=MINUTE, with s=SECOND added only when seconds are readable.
h=2 m=46
